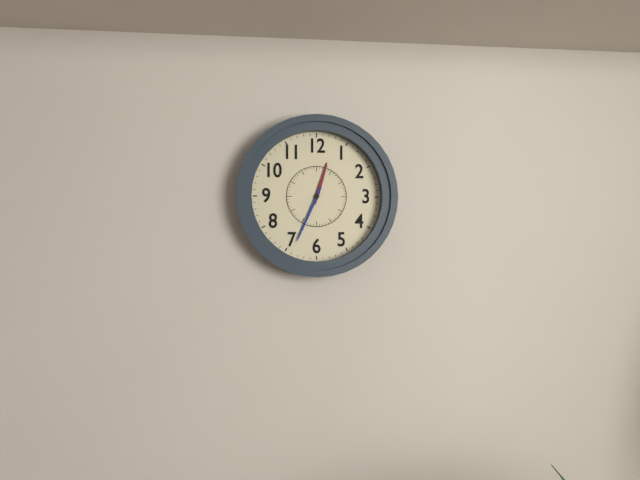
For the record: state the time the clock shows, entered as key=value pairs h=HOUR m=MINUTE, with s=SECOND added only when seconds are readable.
h=12 m=34
